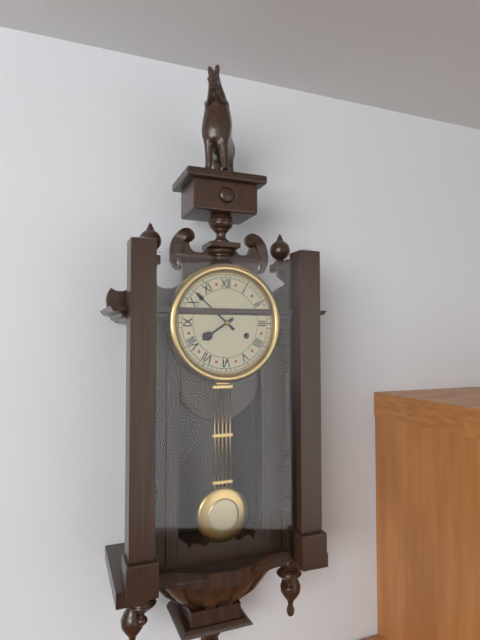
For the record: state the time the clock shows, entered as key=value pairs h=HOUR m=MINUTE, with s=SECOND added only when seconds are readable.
h=7 m=52
